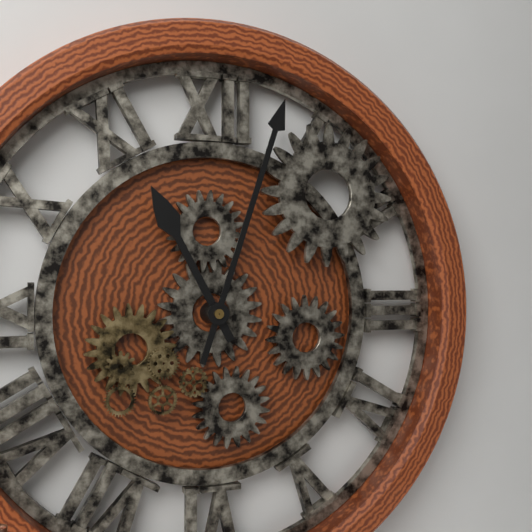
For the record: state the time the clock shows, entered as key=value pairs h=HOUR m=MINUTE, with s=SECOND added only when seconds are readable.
h=11 m=3
